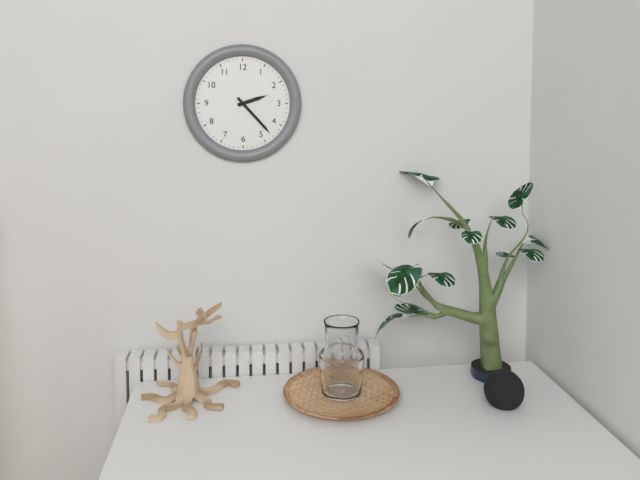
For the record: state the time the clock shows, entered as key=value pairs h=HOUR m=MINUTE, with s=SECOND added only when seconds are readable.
h=2 m=23
